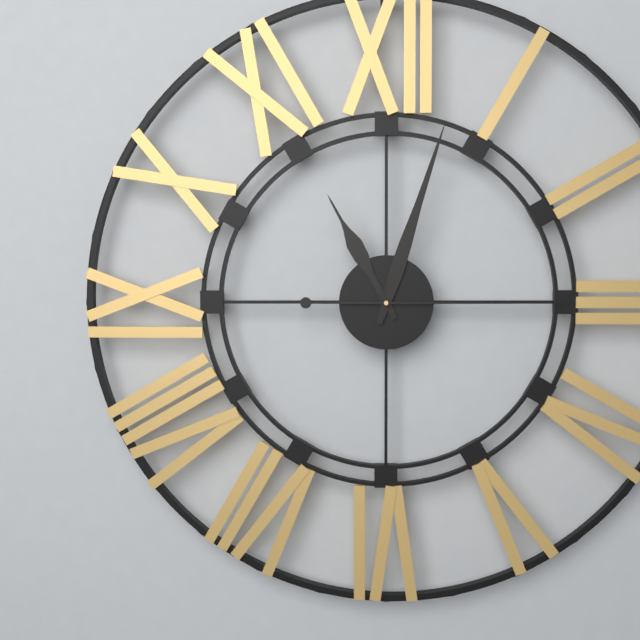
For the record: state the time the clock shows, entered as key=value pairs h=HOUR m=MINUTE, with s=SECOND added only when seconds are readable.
h=11 m=3 s=15
